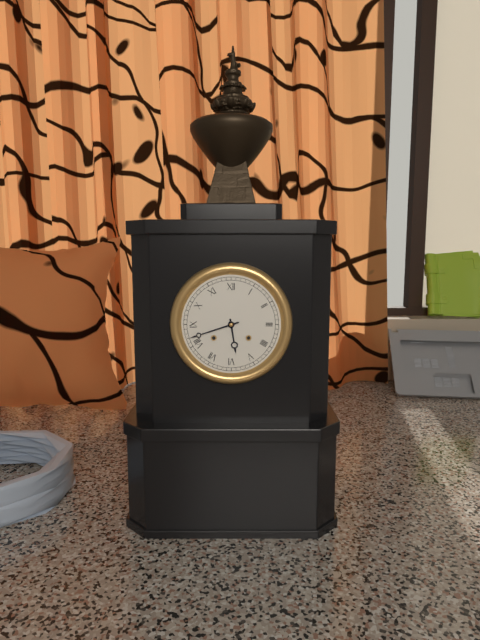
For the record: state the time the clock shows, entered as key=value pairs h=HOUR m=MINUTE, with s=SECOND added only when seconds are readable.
h=5 m=42
